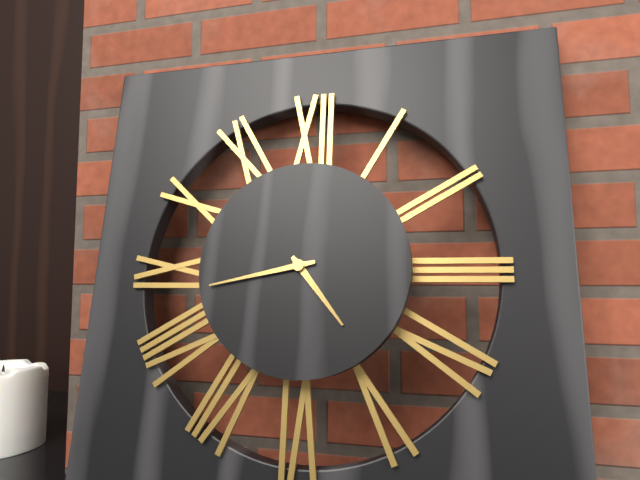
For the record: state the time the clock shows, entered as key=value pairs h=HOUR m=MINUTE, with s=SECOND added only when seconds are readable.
h=4 m=43
